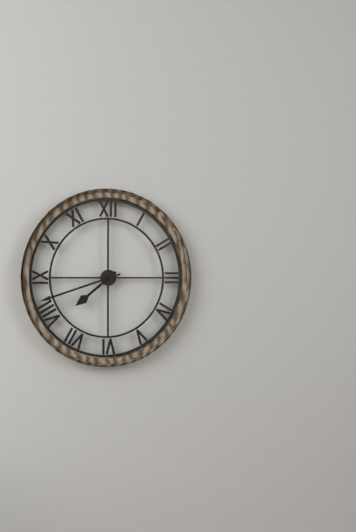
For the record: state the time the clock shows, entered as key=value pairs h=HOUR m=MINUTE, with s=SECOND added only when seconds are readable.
h=7 m=42
